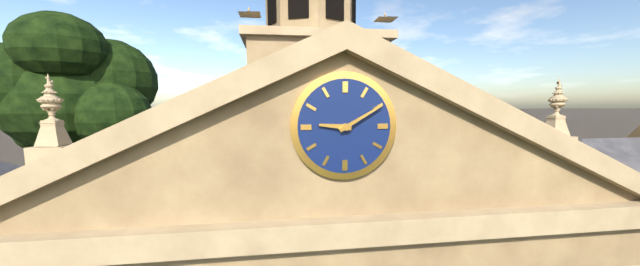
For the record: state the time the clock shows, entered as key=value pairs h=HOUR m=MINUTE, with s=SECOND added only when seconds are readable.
h=9 m=10
